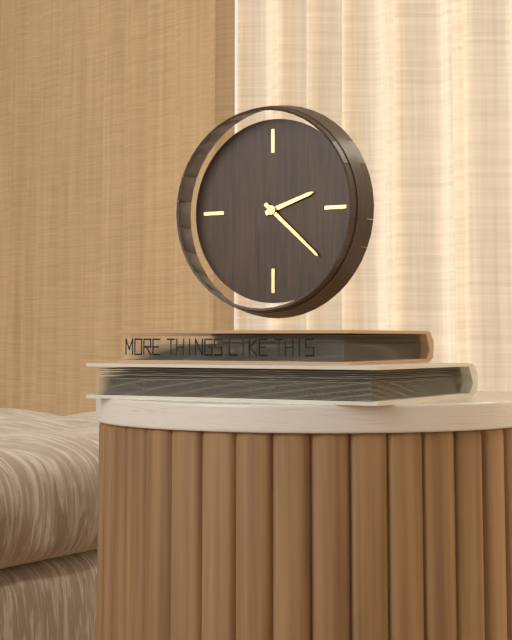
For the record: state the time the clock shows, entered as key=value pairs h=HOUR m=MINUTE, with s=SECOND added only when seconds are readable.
h=2 m=22
